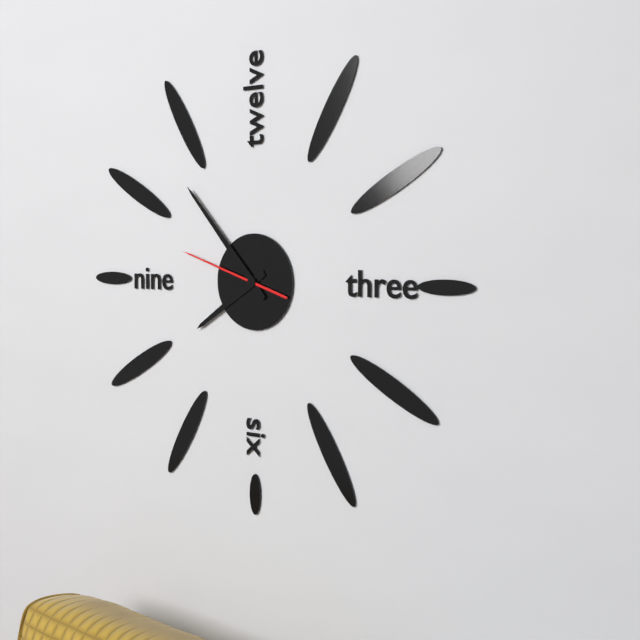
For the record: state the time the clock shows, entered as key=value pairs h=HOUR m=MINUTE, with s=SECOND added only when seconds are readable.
h=7 m=53 s=48
